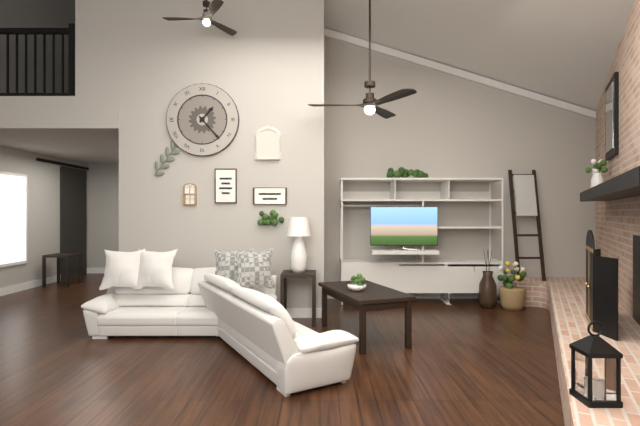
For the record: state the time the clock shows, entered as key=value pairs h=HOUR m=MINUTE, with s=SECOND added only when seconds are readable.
h=1 m=23
